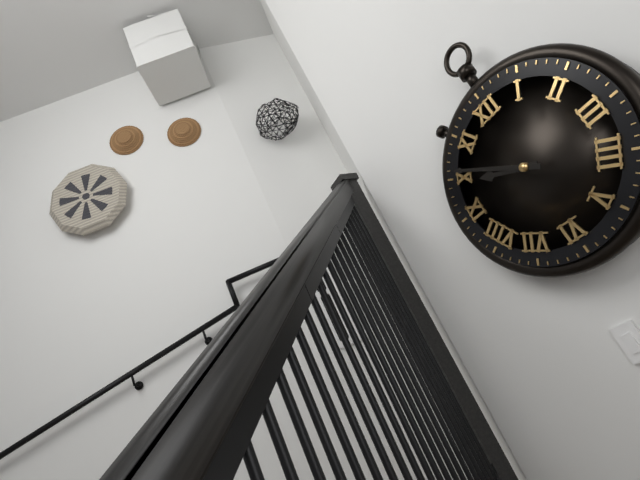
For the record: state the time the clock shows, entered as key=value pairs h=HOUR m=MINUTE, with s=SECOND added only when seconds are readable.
h=9 m=51
